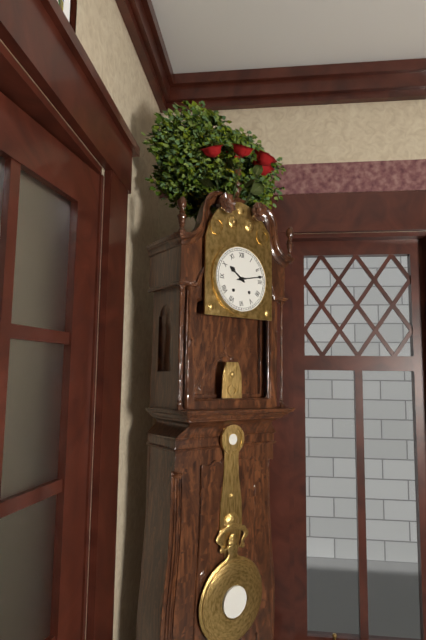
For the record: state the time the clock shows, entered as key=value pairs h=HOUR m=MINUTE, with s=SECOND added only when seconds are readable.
h=10 m=13
